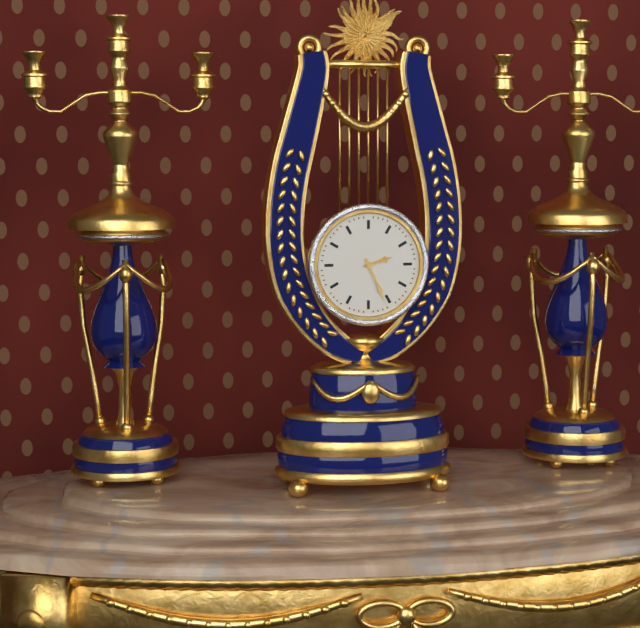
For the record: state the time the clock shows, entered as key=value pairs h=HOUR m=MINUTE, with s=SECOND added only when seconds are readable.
h=2 m=26
